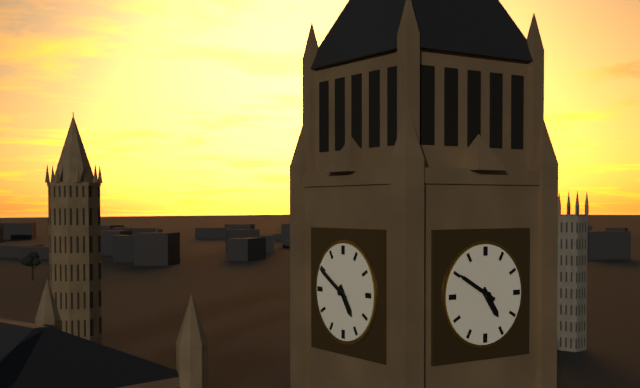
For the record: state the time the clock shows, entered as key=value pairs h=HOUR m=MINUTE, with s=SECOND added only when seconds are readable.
h=4 m=50
